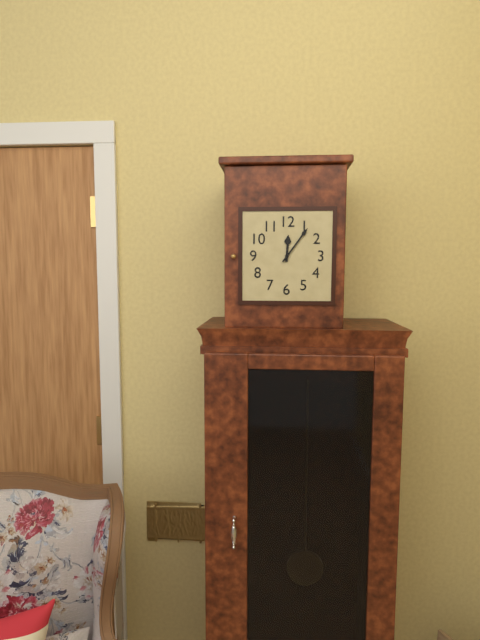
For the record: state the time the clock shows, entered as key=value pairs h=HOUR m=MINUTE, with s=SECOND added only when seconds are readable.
h=12 m=6
